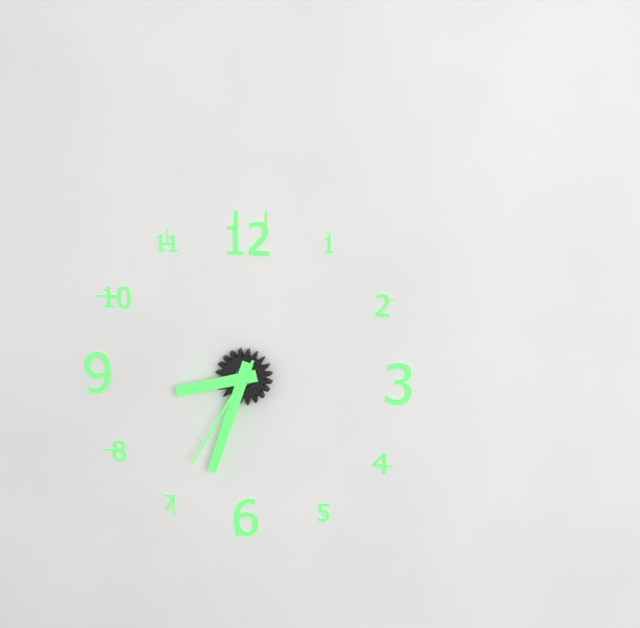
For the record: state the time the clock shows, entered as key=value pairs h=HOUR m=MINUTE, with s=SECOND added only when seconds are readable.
h=8 m=33 s=35
